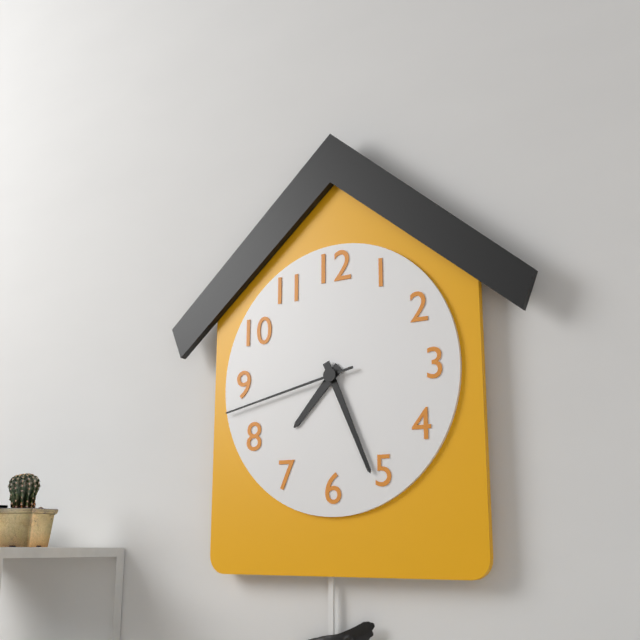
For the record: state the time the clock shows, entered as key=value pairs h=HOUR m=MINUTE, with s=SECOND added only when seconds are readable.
h=7 m=26 s=43
